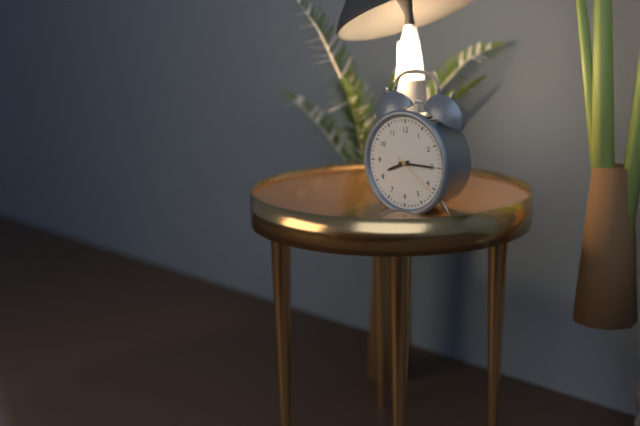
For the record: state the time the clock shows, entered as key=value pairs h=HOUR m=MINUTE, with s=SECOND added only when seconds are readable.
h=8 m=15 s=21
